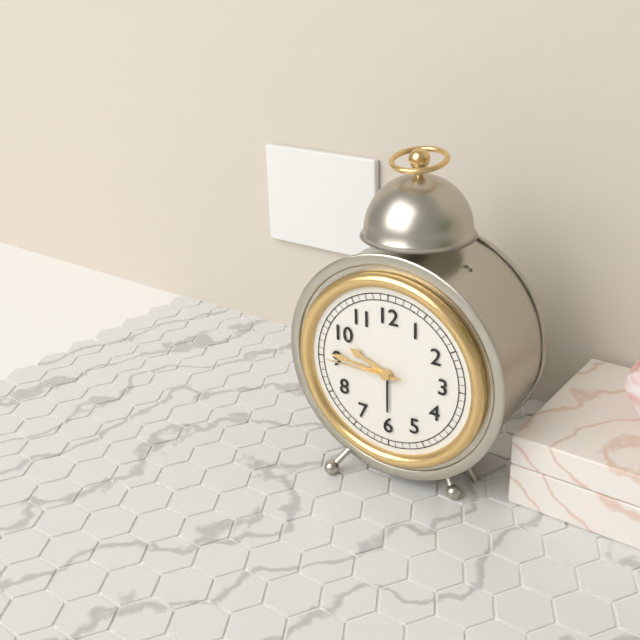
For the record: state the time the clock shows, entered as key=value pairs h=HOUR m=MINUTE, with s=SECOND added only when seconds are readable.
h=9 m=46 s=45
